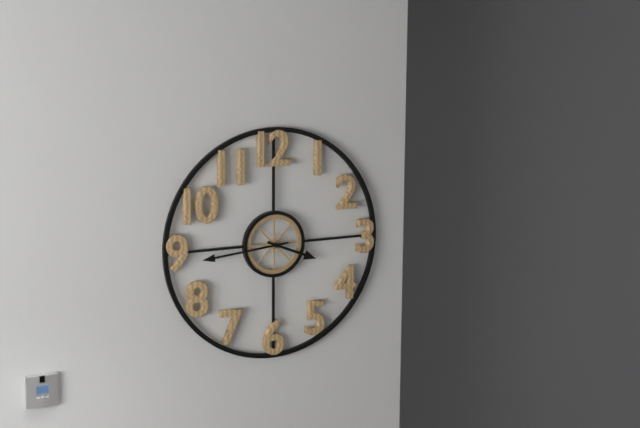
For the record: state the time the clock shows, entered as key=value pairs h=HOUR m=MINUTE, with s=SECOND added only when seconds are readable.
h=3 m=44
